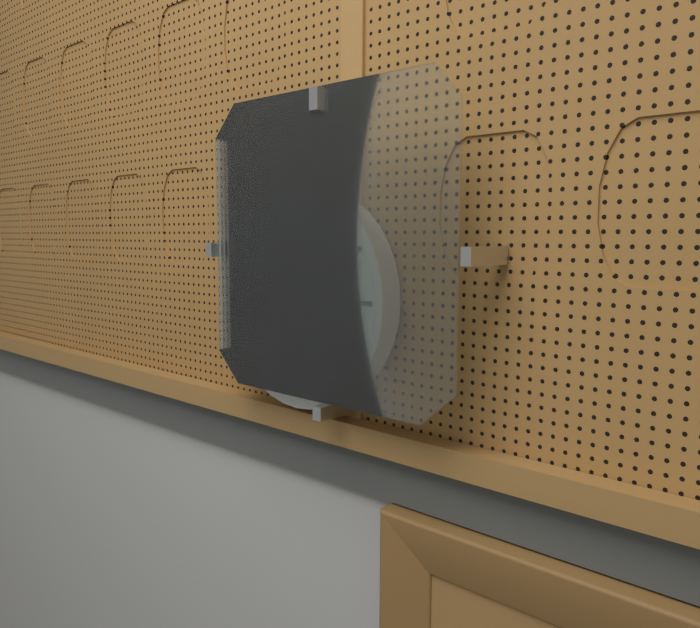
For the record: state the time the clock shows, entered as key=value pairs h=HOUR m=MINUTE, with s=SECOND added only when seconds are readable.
h=8 m=27
